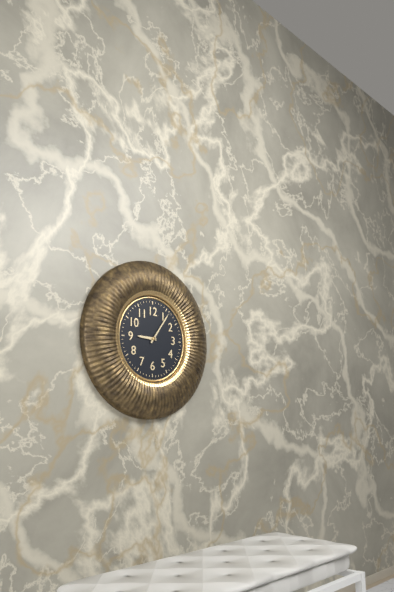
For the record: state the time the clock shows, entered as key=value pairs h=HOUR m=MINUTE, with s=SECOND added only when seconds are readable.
h=9 m=6
